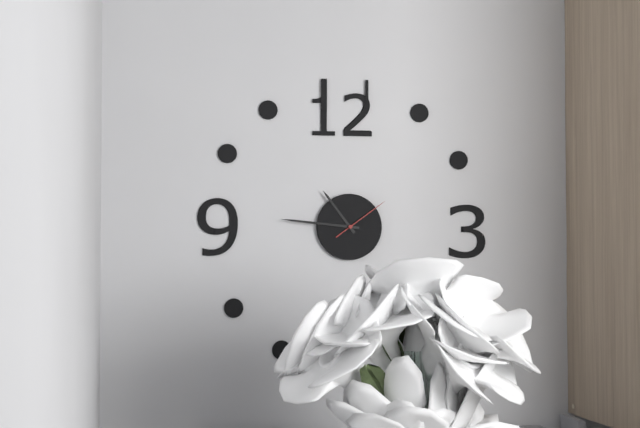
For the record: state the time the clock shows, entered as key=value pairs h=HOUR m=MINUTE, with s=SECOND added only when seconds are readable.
h=10 m=46 s=9
